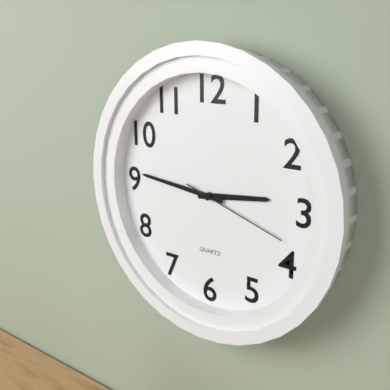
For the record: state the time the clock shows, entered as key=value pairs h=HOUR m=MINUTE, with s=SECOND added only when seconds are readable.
h=2 m=46 s=18
